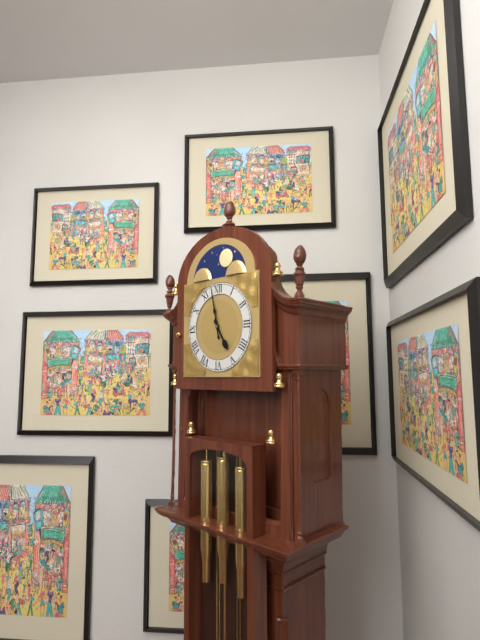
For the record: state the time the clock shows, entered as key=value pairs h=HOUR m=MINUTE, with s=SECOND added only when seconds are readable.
h=4 m=58
